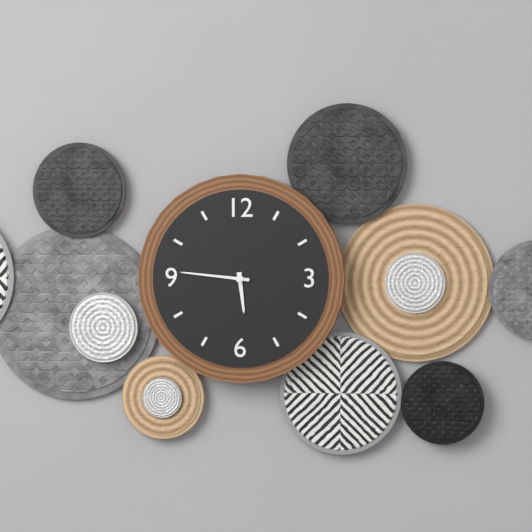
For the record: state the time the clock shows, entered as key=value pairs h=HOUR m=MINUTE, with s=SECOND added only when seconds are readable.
h=5 m=46
